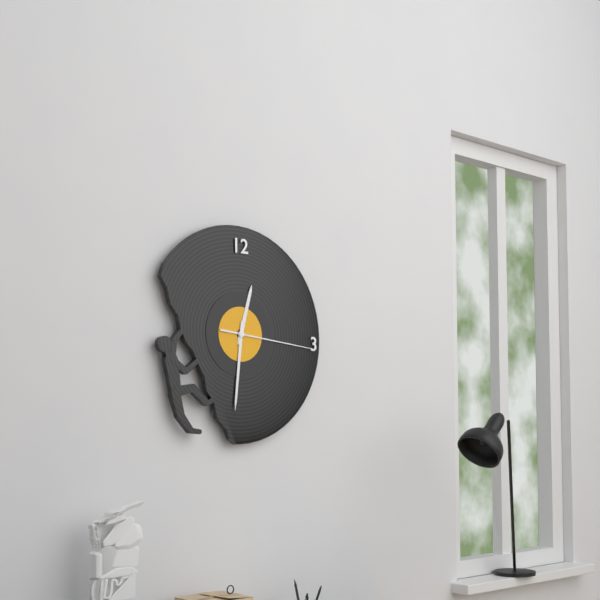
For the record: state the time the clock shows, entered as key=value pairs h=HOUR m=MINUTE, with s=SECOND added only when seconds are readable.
h=12 m=31 s=16
